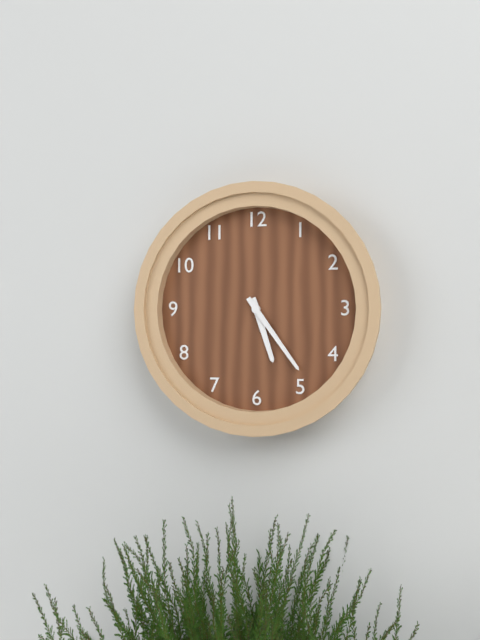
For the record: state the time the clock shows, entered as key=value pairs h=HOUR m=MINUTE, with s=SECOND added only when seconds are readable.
h=5 m=24
